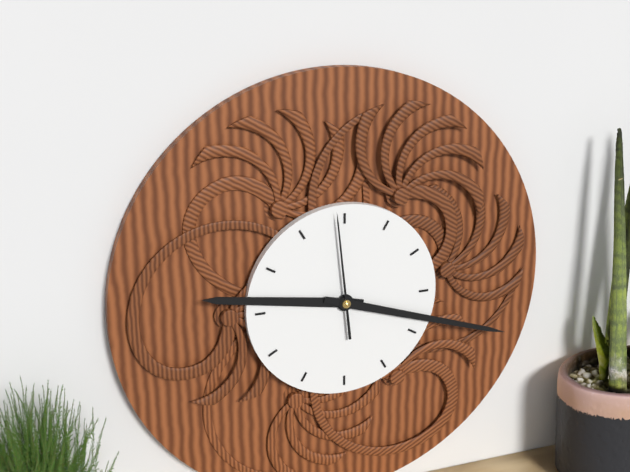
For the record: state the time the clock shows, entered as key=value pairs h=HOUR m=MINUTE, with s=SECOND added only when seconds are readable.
h=9 m=18 s=59
